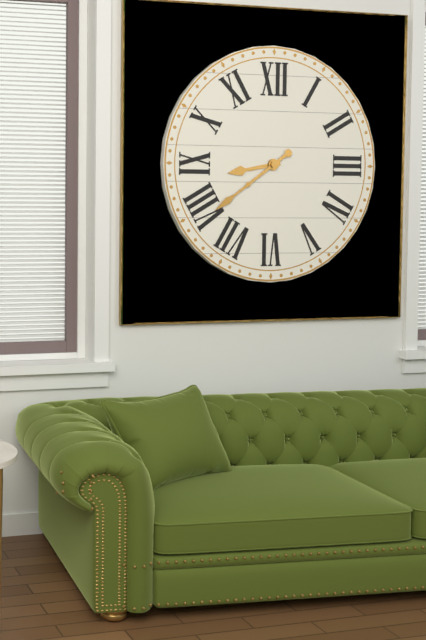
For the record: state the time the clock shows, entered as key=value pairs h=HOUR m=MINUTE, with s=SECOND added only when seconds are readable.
h=8 m=39
